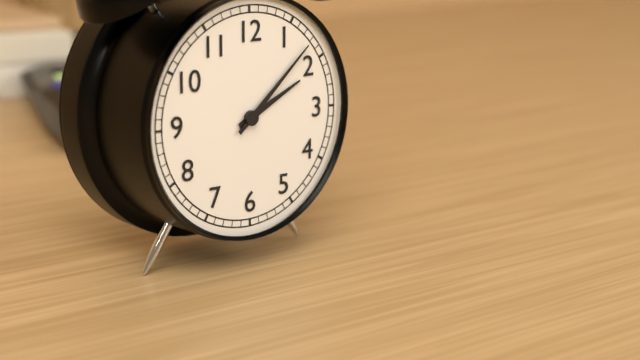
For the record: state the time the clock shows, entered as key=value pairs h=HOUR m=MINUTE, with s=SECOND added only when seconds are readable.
h=2 m=8
